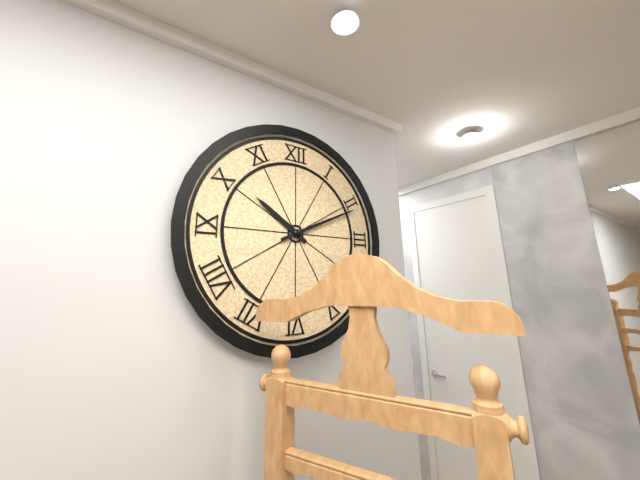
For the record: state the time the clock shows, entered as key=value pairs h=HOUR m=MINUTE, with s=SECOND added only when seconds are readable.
h=10 m=11
